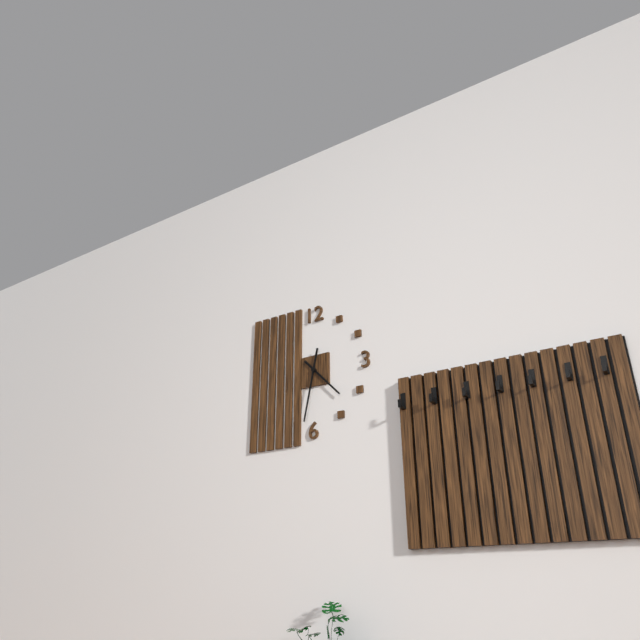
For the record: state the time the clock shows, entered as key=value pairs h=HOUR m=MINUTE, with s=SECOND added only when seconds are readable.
h=4 m=32
